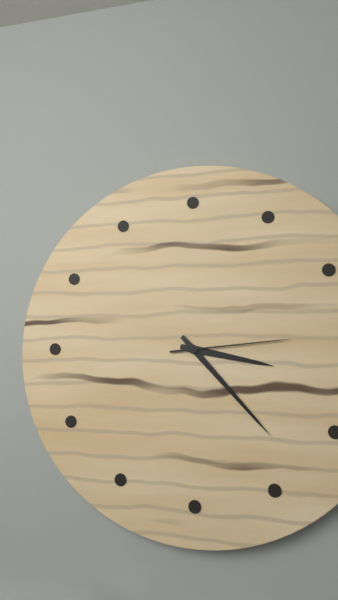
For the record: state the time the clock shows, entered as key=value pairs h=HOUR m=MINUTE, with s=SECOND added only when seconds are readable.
h=3 m=23 s=14
